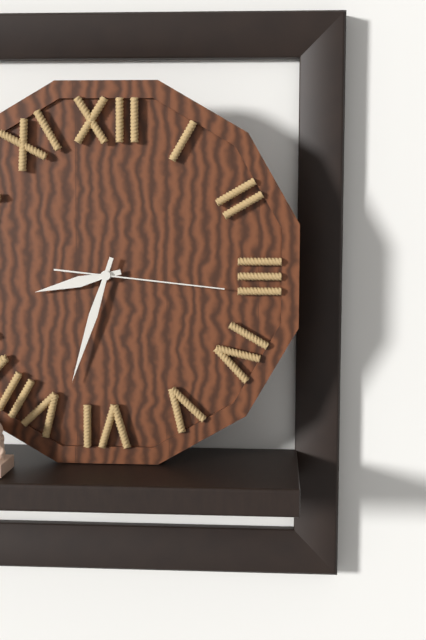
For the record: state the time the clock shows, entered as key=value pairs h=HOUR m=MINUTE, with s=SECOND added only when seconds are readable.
h=8 m=33 s=16
